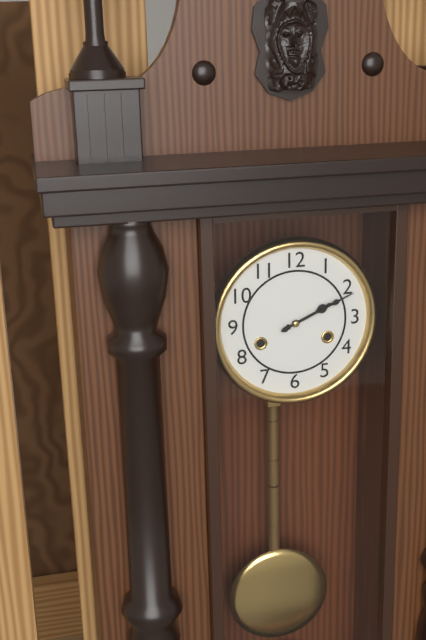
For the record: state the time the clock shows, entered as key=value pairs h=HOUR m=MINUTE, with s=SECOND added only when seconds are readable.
h=2 m=11
